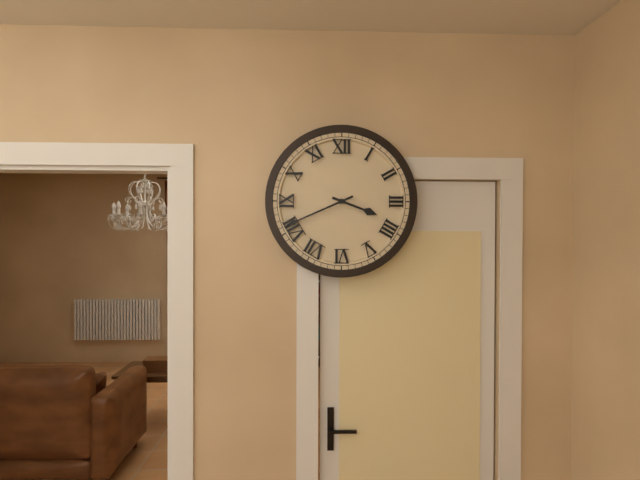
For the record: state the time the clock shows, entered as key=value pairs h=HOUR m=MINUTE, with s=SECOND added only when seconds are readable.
h=3 m=41
